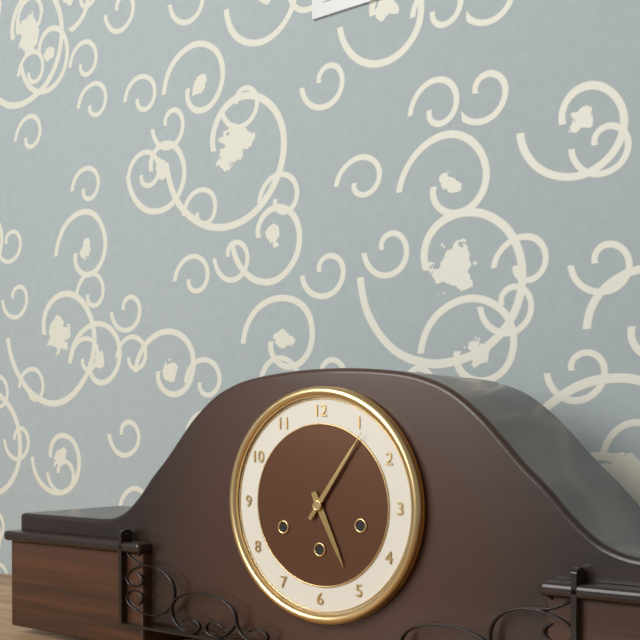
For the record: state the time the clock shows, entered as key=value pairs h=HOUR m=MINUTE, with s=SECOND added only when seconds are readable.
h=5 m=6
